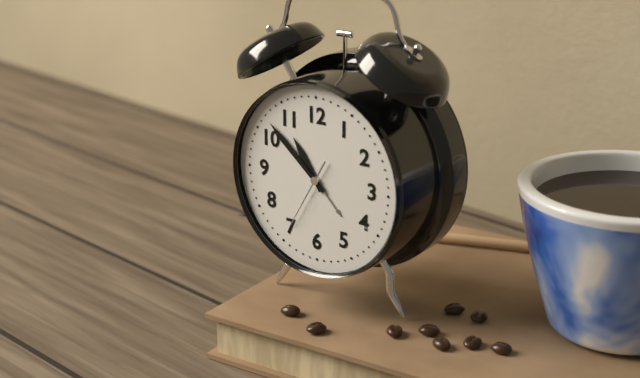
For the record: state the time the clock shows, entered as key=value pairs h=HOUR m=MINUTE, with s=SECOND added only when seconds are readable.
h=10 m=52 s=35
